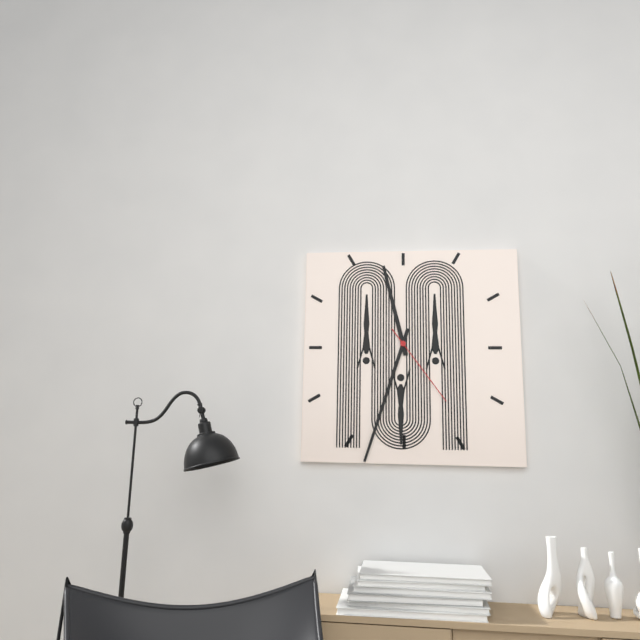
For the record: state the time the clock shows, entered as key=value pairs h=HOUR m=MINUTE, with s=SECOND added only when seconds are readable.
h=11 m=33 s=24
